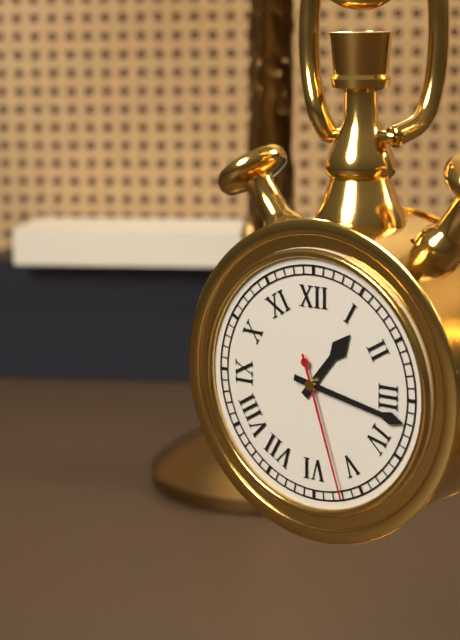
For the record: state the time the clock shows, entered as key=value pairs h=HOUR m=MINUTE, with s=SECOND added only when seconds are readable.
h=1 m=17 s=27
